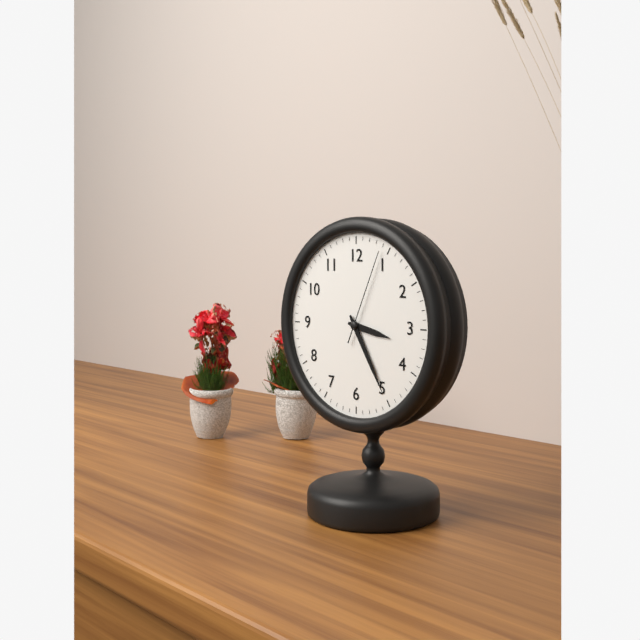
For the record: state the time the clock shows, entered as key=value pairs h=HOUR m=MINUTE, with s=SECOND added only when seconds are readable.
h=3 m=25 s=4
